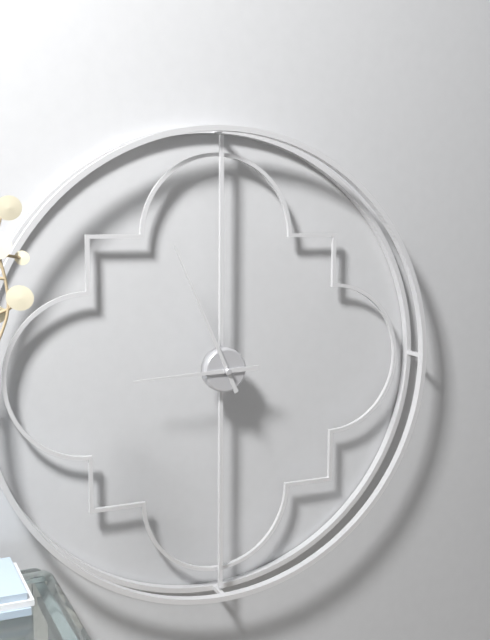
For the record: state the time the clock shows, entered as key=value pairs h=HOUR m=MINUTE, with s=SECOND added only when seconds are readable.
h=8 m=56
